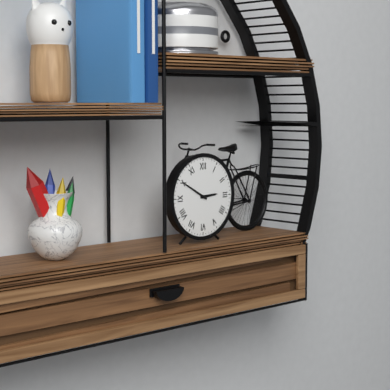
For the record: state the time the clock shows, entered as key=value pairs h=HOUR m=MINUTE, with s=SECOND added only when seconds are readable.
h=2 m=50
